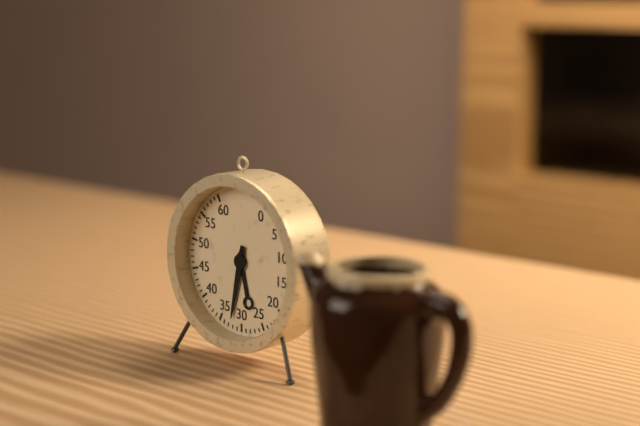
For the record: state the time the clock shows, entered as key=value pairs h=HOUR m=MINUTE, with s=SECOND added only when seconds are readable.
h=5 m=32
